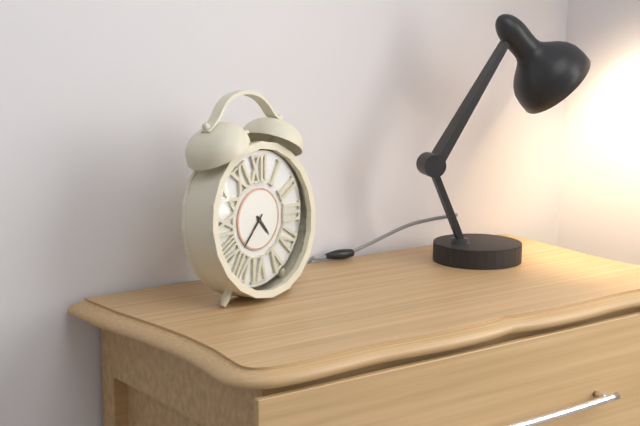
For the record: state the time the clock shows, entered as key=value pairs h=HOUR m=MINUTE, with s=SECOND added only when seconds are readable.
h=4 m=37
